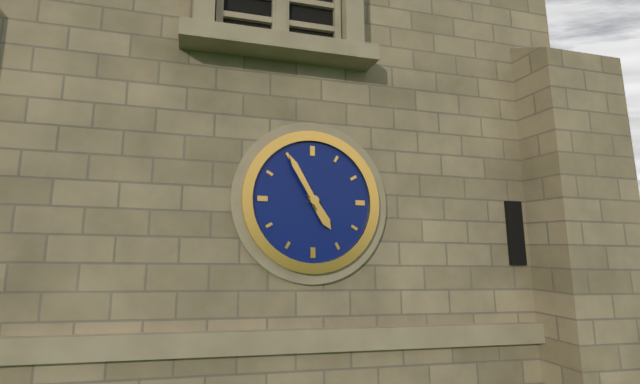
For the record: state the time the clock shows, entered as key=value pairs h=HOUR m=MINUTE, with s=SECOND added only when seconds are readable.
h=4 m=55
